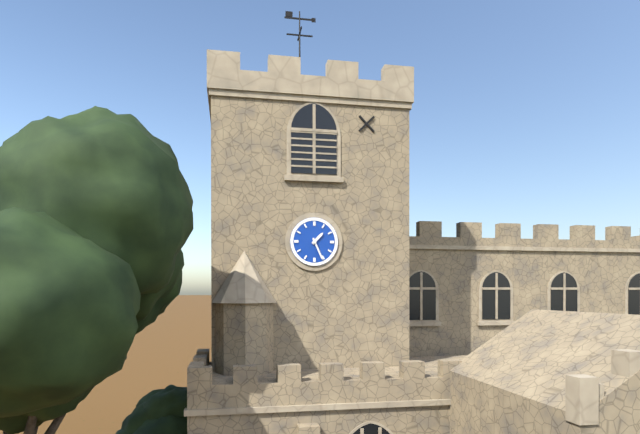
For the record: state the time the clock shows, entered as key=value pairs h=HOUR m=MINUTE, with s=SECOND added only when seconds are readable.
h=1 m=26
